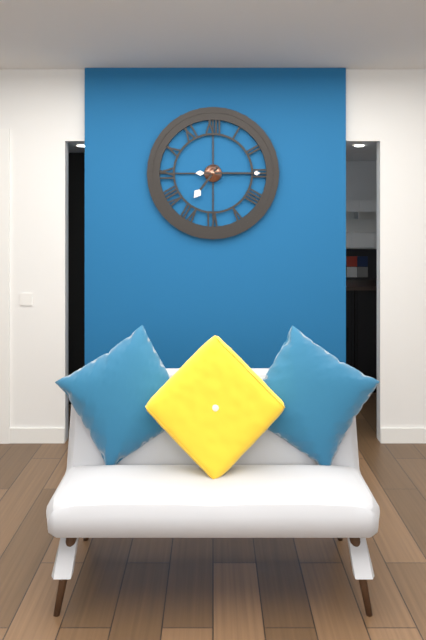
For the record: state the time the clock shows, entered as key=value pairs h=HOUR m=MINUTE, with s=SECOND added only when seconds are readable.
h=7 m=15
